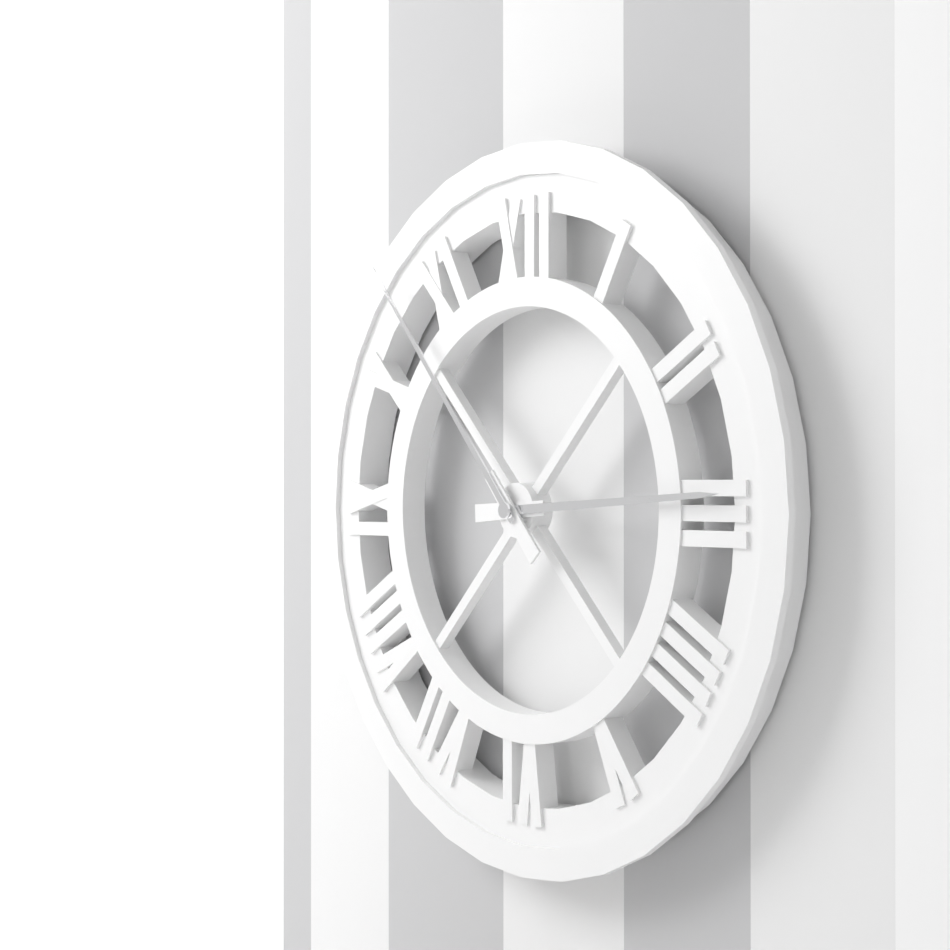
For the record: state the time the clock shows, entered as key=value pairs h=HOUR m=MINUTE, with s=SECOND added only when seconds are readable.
h=2 m=53
